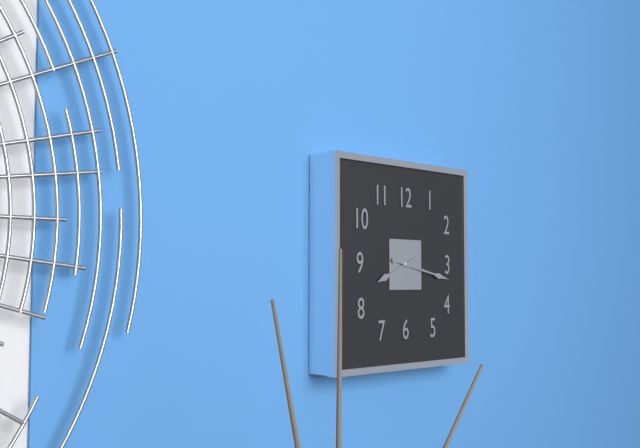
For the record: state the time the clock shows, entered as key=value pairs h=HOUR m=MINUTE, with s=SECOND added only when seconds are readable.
h=8 m=17
